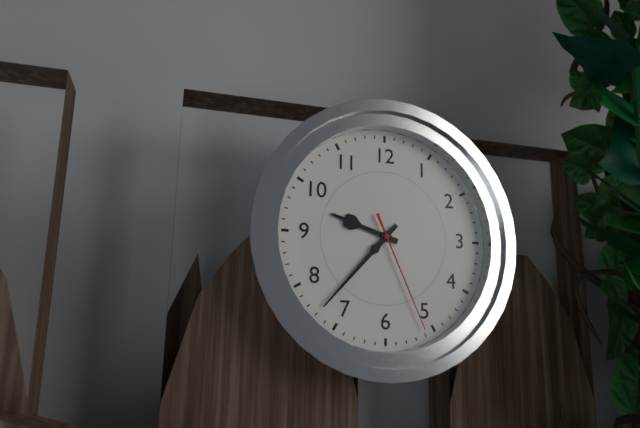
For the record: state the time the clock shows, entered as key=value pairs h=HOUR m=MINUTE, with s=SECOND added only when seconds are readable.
h=9 m=37 s=26
